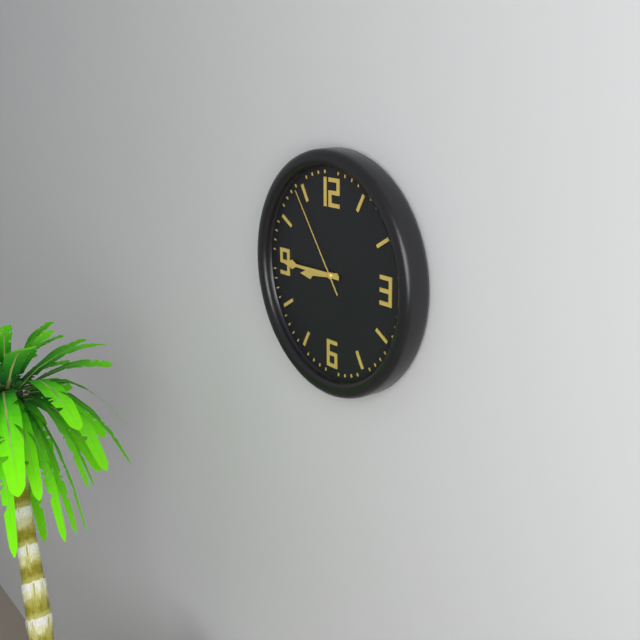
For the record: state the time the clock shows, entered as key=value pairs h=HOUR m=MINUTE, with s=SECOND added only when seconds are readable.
h=8 m=45 s=54
